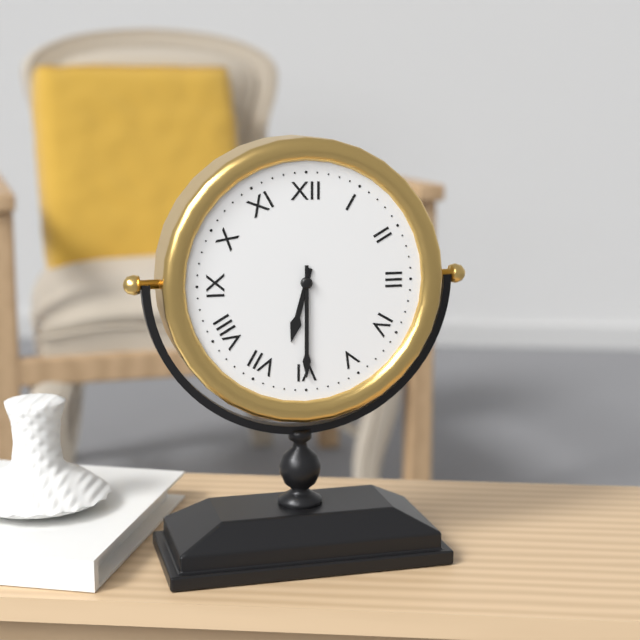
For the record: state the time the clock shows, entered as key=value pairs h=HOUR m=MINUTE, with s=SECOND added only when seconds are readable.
h=6 m=30
